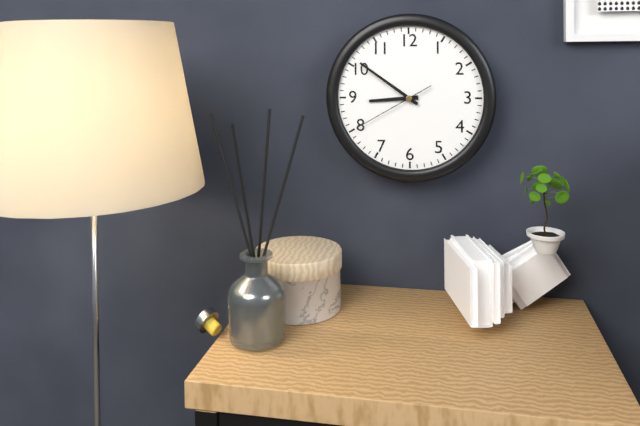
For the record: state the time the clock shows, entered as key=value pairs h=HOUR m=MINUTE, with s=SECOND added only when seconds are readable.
h=8 m=51 s=40
